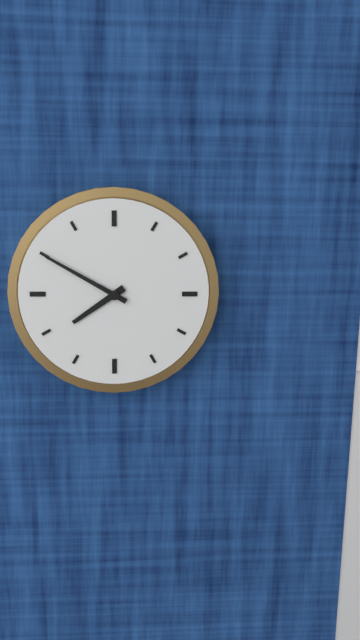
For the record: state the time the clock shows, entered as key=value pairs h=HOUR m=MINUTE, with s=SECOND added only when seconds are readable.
h=7 m=50
